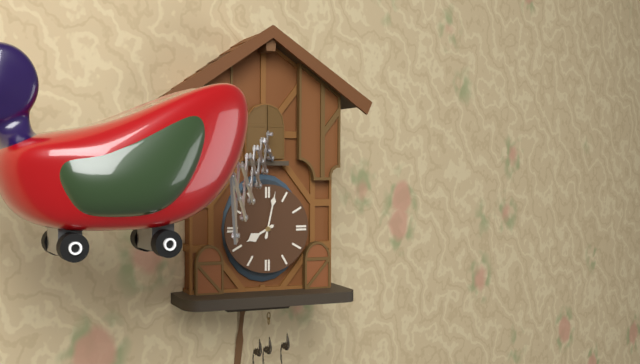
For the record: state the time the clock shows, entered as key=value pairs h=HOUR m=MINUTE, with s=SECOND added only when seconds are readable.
h=8 m=2
